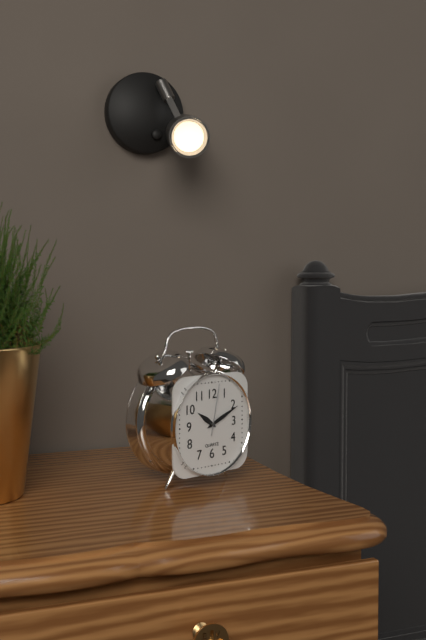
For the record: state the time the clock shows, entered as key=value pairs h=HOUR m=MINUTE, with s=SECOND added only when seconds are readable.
h=10 m=11 s=2
